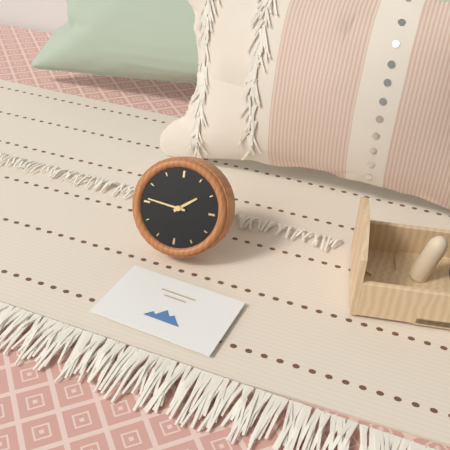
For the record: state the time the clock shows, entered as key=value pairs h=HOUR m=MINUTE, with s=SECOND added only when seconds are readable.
h=1 m=46
